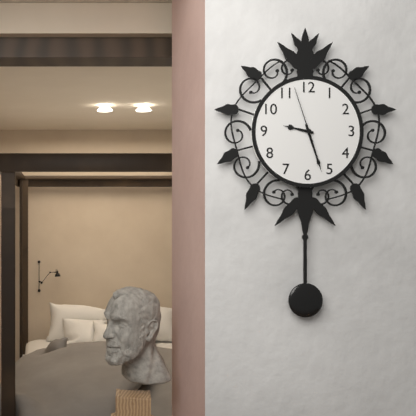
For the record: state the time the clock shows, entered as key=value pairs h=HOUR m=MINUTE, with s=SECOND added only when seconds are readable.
h=9 m=27 s=57
